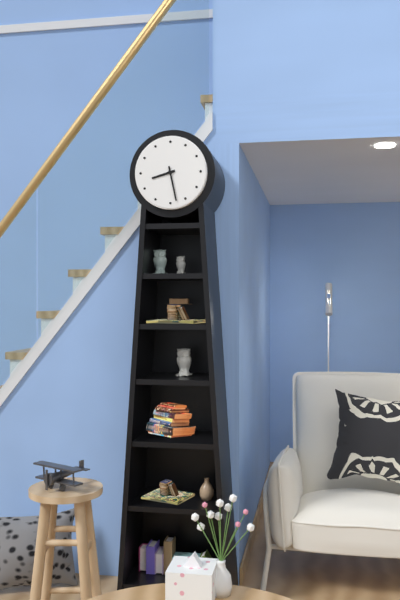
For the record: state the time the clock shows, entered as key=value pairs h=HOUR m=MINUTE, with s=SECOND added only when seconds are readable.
h=8 m=28
